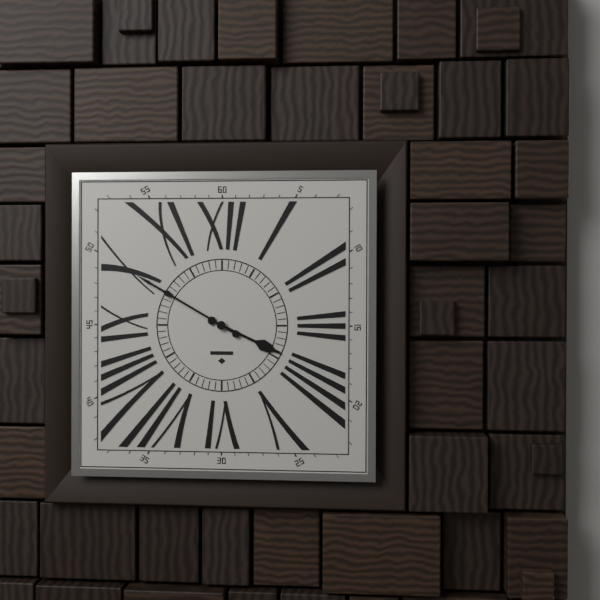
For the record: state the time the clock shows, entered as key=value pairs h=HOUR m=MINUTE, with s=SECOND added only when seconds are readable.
h=3 m=50
